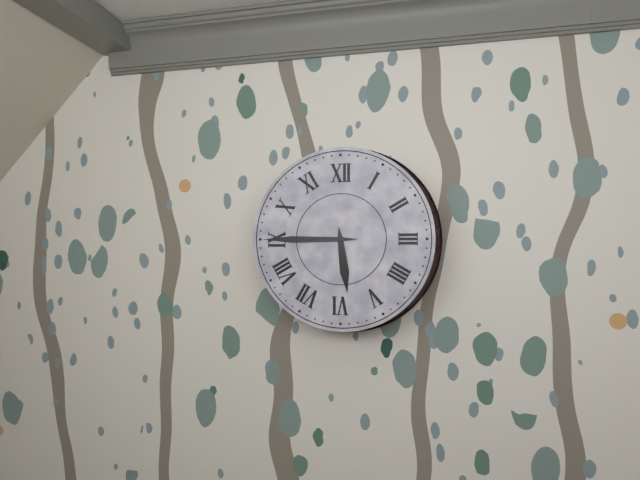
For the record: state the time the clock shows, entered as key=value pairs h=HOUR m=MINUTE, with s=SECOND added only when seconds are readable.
h=5 m=45
